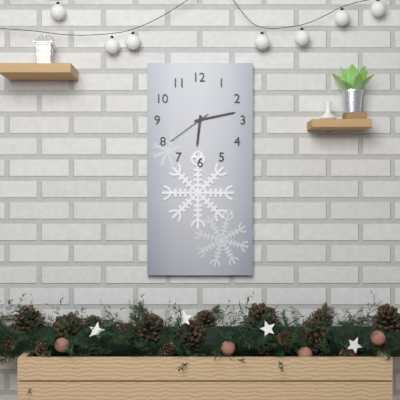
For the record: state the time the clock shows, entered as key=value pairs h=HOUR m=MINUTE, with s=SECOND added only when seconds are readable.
h=6 m=13
